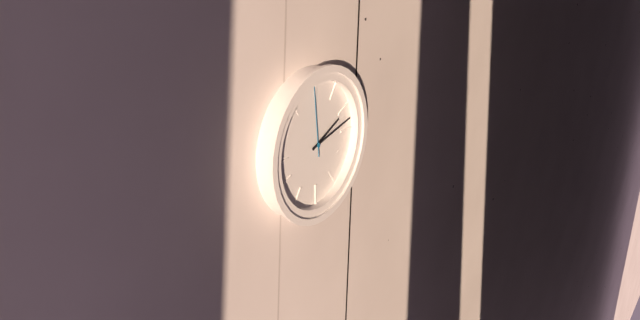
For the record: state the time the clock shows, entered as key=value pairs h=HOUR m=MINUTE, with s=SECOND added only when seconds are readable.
h=2 m=13 s=59
